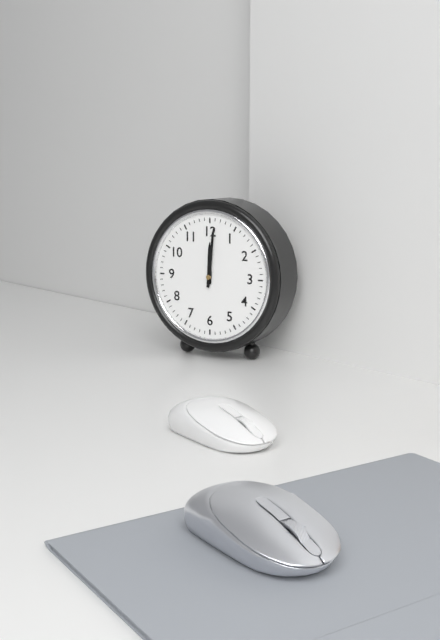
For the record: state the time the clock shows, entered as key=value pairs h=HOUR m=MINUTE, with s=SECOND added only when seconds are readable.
h=12 m=1
